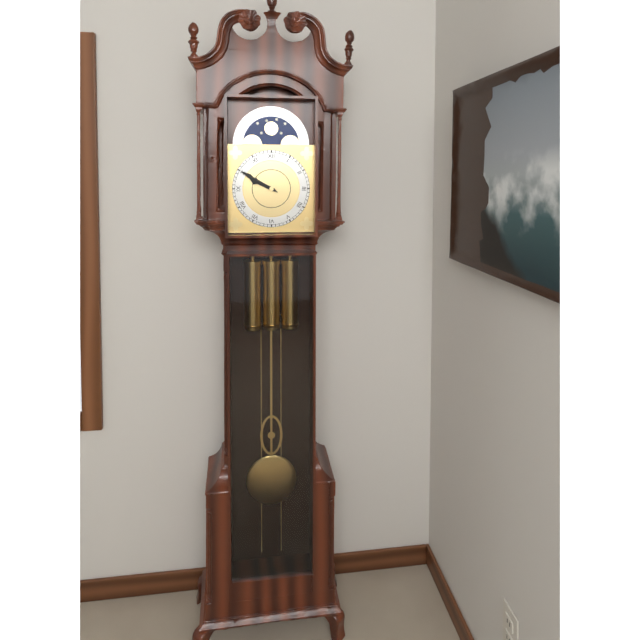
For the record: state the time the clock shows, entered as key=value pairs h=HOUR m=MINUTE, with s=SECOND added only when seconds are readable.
h=9 m=50
